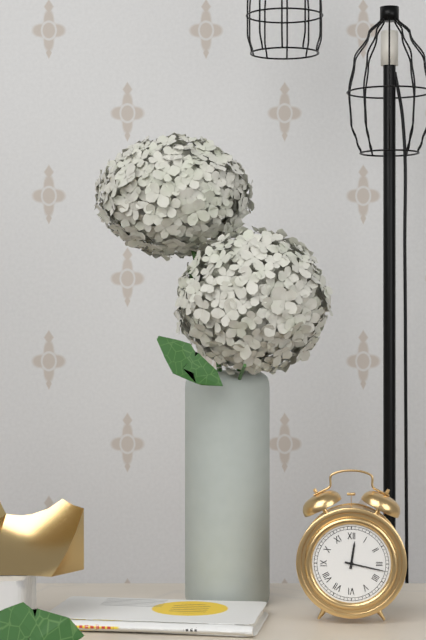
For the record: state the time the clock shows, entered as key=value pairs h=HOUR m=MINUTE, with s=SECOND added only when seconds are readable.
h=12 m=17
